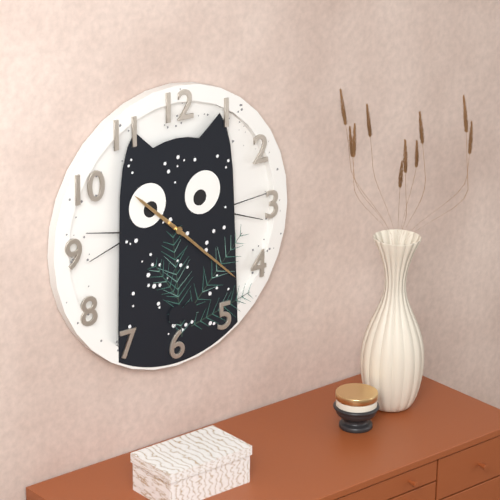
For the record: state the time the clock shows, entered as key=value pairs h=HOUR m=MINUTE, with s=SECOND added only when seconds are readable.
h=10 m=22
